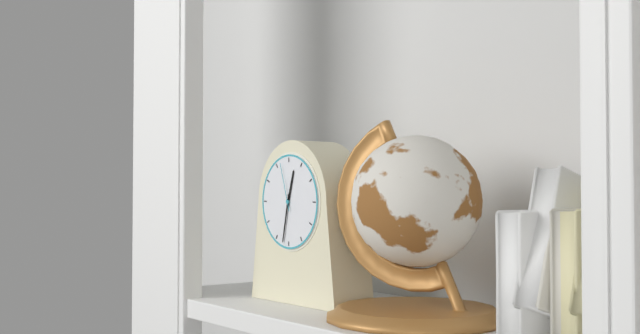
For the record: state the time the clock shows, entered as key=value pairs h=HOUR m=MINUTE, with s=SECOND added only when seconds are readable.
h=12 m=32
